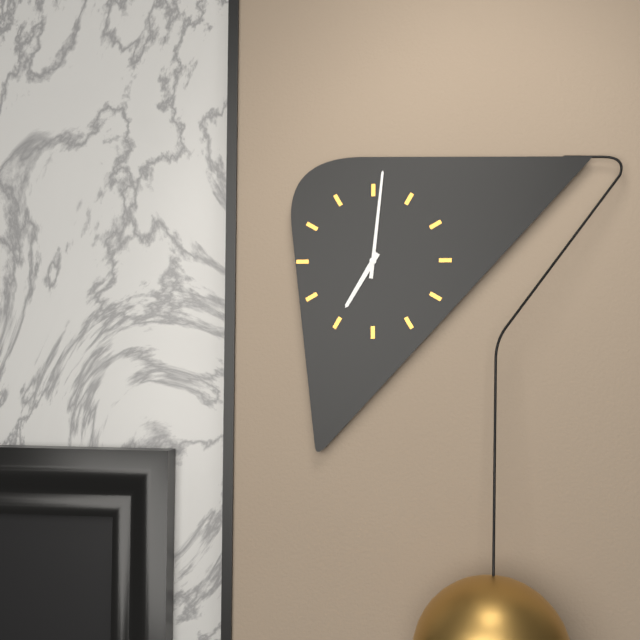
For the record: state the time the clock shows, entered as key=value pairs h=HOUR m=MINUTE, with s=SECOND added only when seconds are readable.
h=7 m=1
